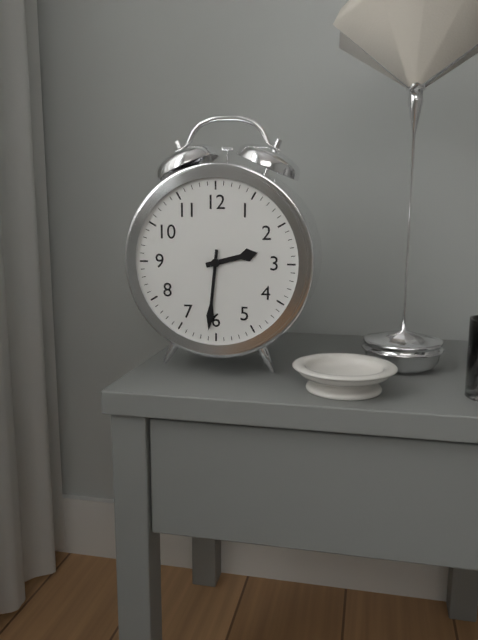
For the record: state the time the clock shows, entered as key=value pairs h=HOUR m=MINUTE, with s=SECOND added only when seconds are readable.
h=2 m=31
